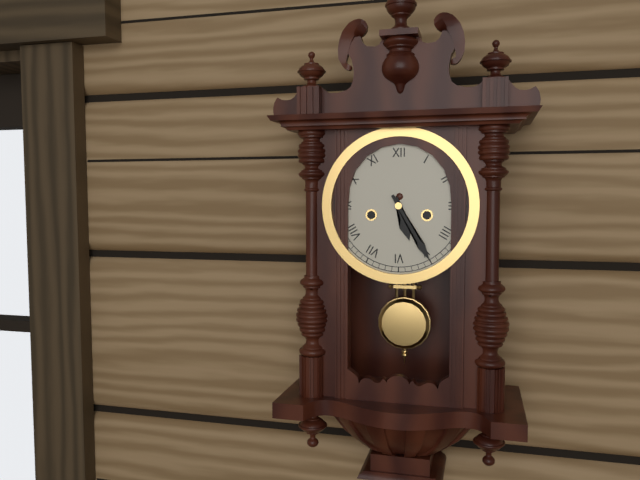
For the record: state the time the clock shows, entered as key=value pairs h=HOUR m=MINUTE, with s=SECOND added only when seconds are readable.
h=5 m=25
